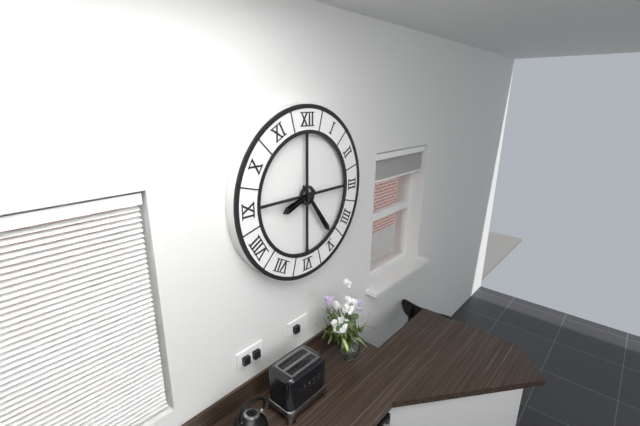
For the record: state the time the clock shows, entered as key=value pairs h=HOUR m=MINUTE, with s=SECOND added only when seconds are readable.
h=8 m=24
